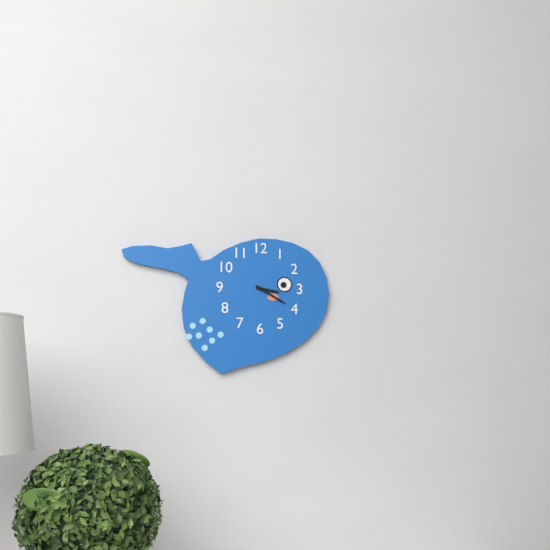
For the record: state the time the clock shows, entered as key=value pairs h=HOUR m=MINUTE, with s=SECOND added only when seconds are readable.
h=3 m=20
